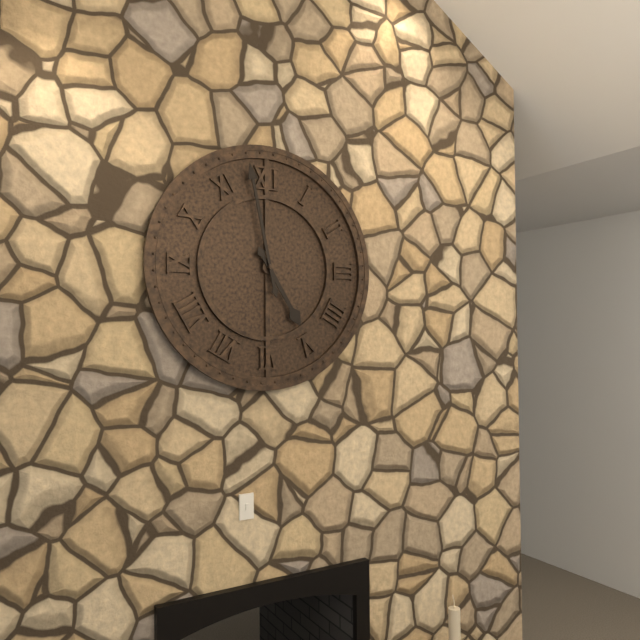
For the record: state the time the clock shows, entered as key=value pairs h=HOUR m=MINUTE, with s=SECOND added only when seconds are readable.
h=4 m=58
